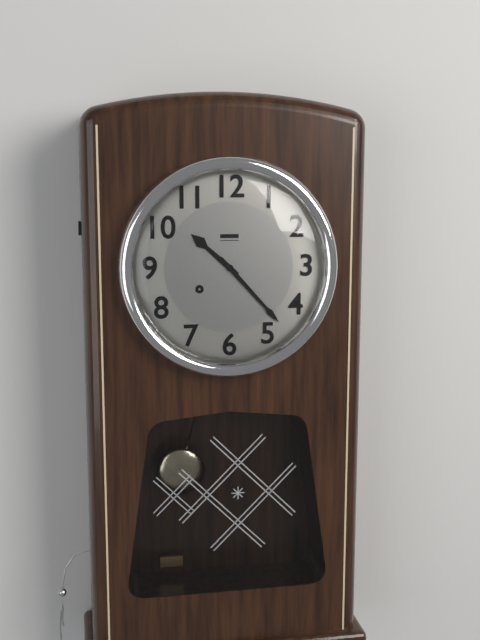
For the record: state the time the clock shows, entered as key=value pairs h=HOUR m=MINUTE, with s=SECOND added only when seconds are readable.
h=10 m=23
